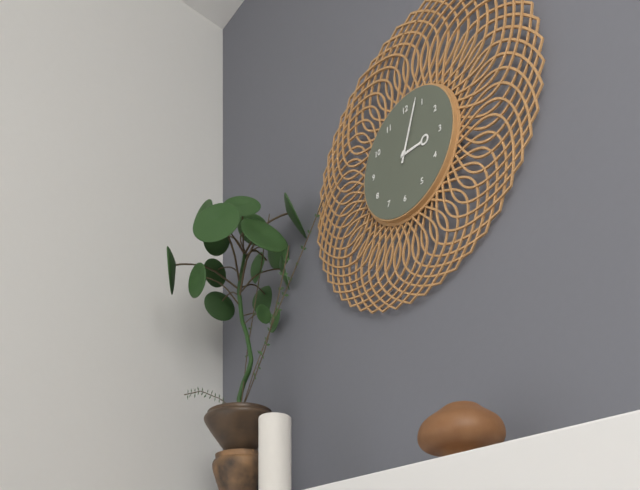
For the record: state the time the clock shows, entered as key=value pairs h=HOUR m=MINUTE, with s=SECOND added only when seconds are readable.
h=3 m=3
